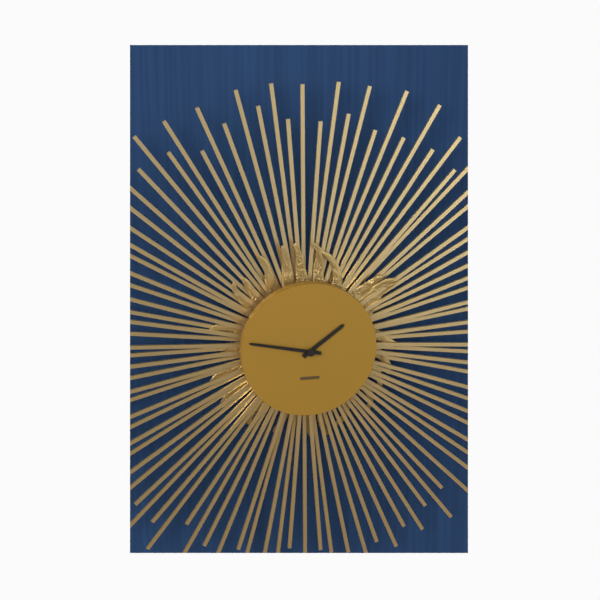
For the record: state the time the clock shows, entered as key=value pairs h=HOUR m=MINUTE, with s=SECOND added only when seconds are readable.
h=1 m=47
